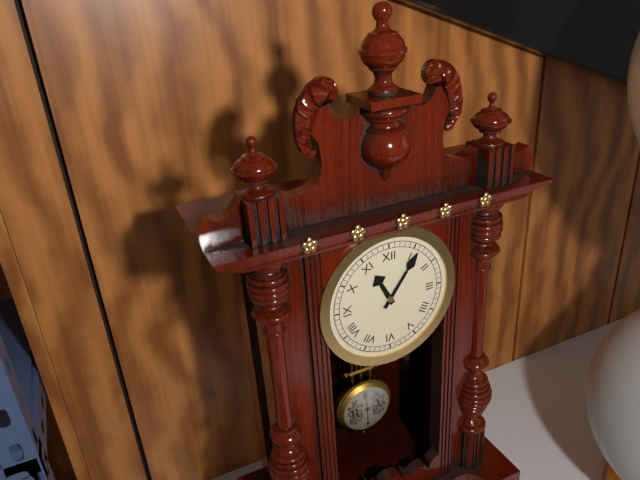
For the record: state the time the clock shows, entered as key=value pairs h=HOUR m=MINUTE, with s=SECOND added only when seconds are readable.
h=11 m=6
